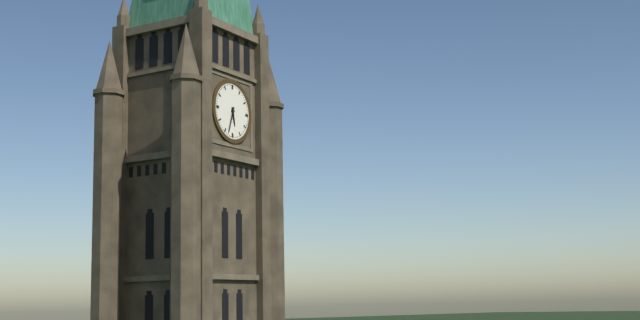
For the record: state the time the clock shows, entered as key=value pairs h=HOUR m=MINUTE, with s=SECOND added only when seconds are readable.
h=5 m=33
